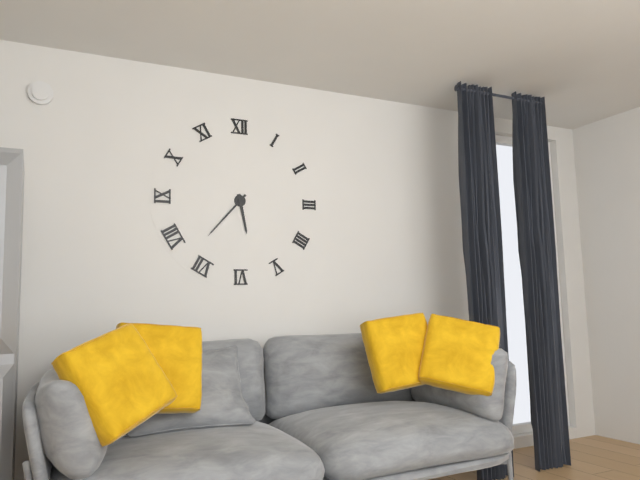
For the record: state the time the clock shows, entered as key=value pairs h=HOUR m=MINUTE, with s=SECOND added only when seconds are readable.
h=5 m=37
